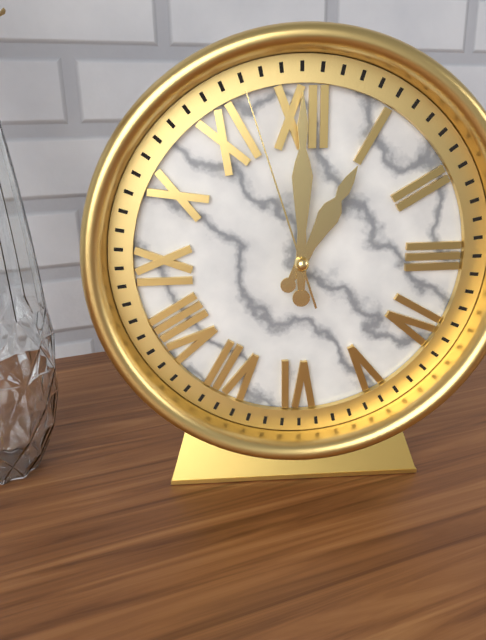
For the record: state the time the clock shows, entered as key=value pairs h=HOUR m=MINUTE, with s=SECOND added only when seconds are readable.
h=1 m=0 s=57
